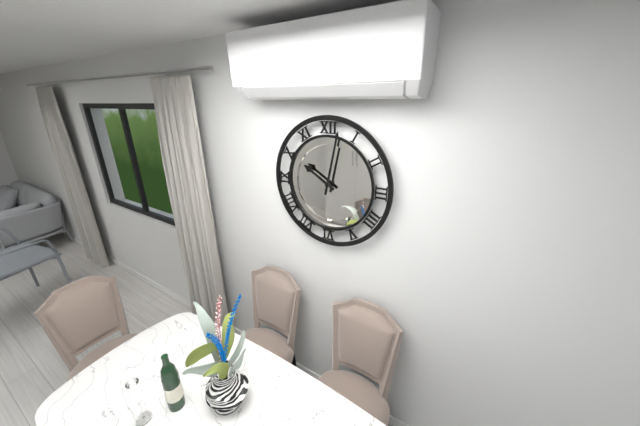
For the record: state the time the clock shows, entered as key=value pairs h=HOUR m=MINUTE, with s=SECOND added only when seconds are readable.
h=10 m=2
